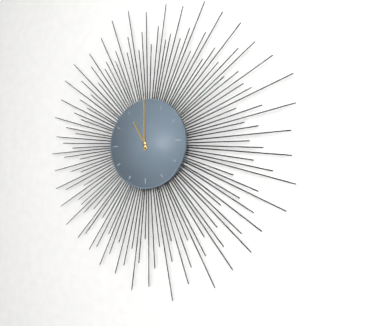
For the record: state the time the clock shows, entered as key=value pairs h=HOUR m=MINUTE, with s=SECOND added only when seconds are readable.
h=11 m=0
